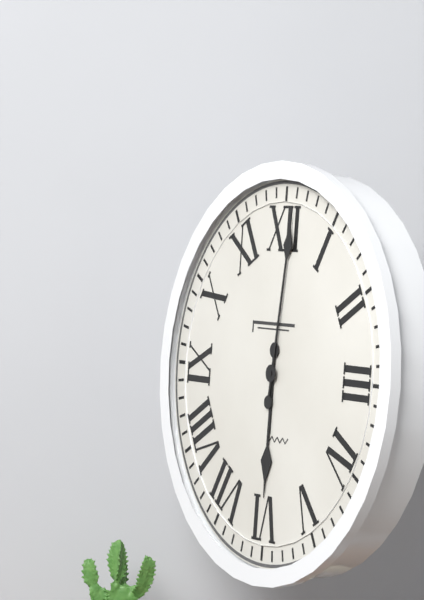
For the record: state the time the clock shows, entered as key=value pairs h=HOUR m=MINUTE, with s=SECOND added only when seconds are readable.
h=6 m=1
